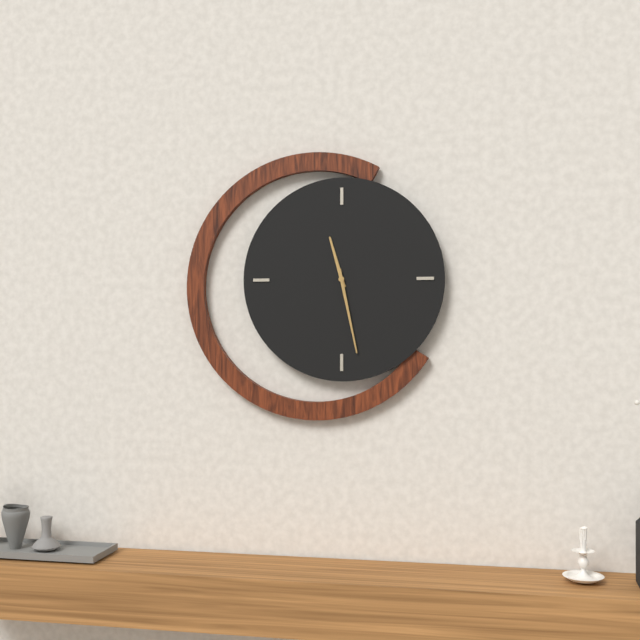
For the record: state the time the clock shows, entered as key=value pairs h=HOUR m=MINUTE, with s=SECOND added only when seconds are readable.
h=11 m=28
